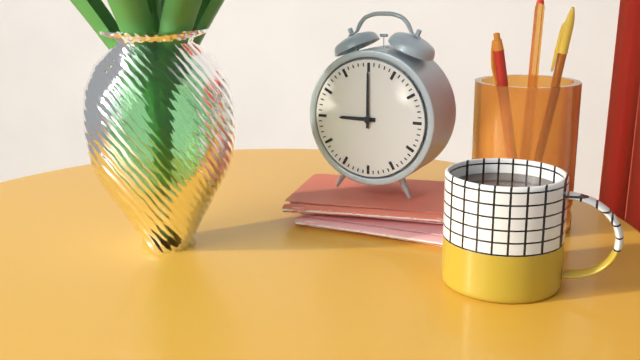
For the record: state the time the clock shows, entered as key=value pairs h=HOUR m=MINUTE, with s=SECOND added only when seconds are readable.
h=9 m=0
